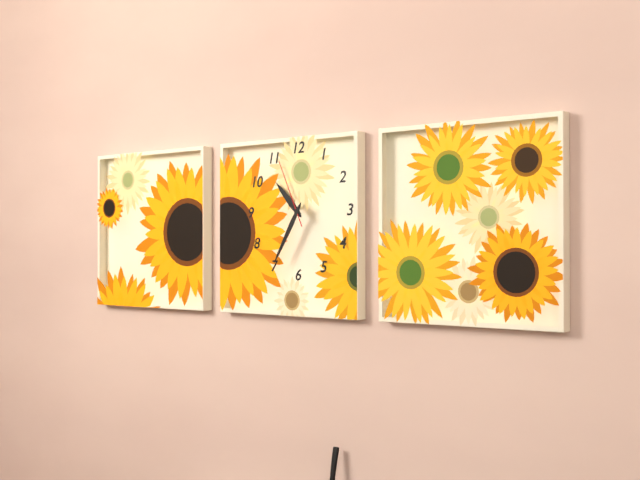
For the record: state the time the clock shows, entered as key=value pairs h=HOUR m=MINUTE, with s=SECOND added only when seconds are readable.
h=10 m=35 s=56
